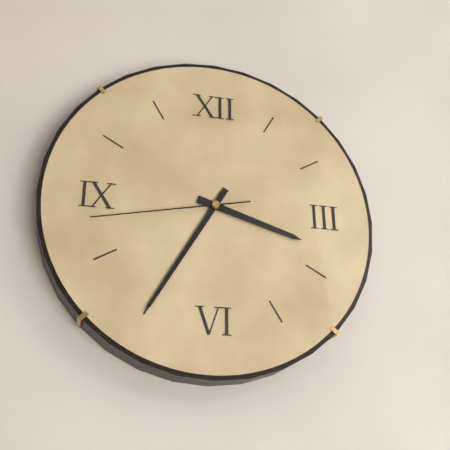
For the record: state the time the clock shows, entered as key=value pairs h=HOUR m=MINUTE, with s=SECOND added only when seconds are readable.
h=3 m=35 s=43
